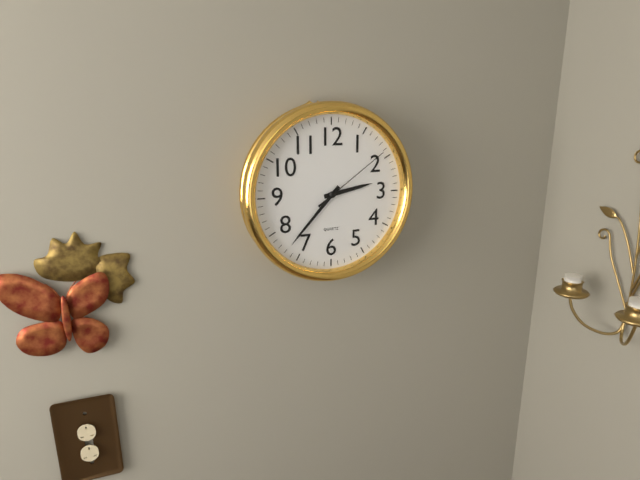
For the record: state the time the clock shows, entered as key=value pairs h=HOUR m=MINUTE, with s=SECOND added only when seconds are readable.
h=2 m=37 s=9
